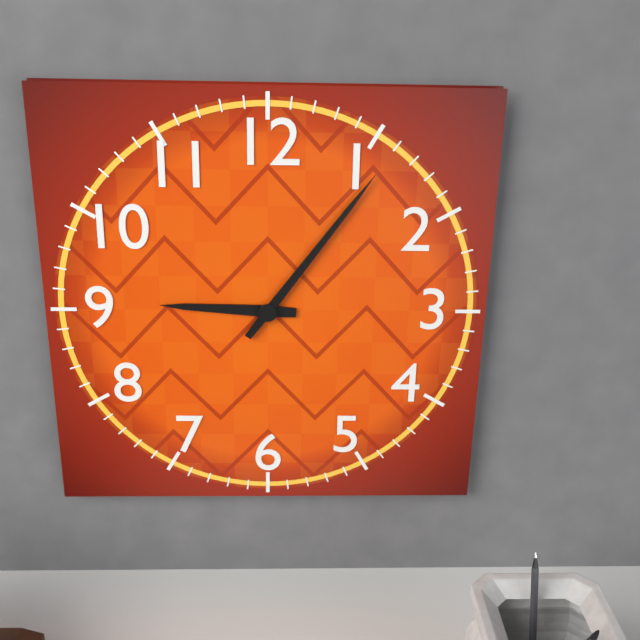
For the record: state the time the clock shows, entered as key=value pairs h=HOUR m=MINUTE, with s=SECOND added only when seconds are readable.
h=9 m=6
